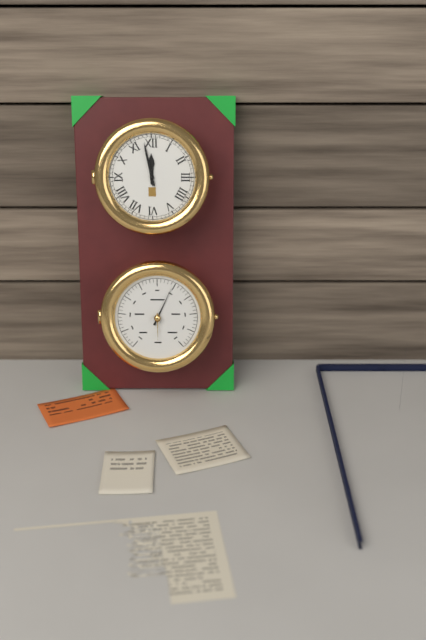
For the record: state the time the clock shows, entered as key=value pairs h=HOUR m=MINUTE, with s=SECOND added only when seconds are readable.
h=11 m=58
